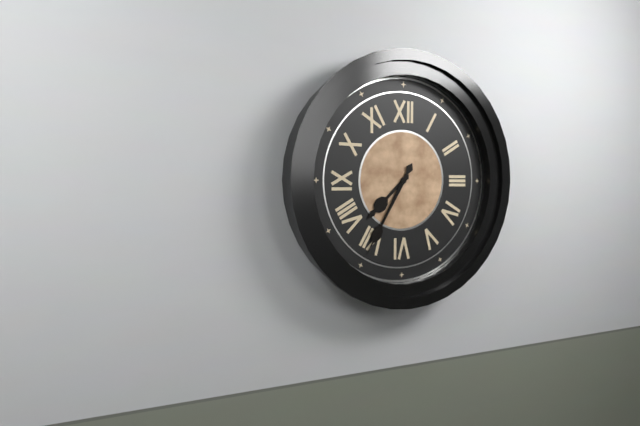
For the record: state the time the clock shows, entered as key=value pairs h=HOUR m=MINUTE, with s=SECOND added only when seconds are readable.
h=7 m=35
